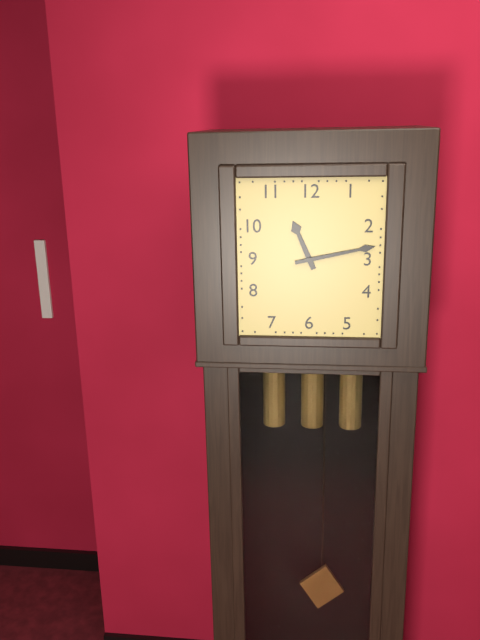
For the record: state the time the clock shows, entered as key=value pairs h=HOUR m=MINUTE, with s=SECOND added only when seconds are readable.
h=11 m=13
